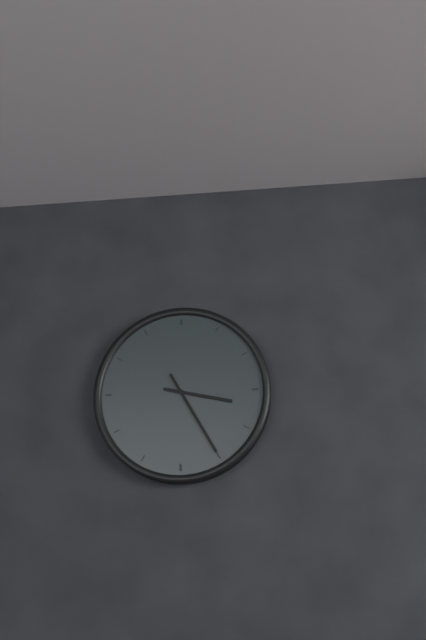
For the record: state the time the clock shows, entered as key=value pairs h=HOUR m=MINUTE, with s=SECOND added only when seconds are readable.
h=3 m=25
